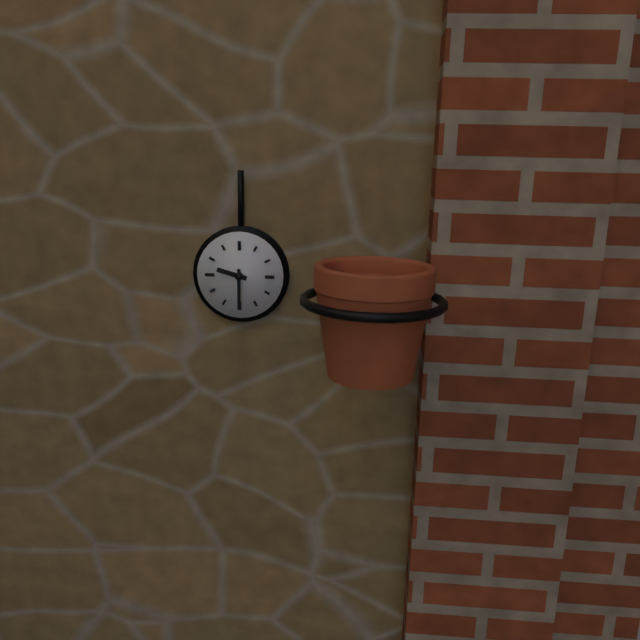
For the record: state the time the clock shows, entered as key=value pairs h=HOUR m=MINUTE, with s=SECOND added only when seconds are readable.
h=9 m=30
